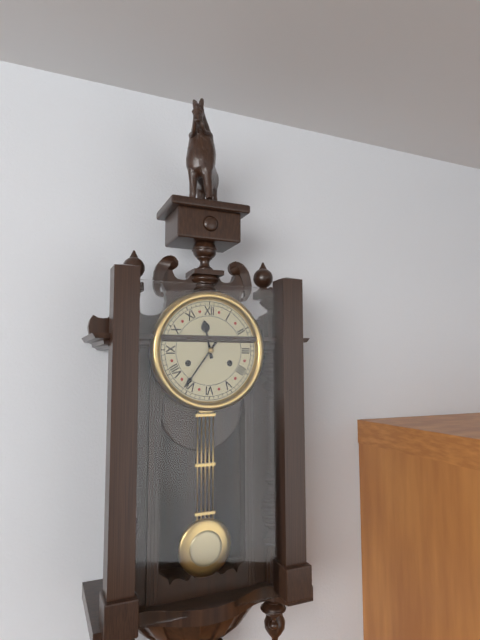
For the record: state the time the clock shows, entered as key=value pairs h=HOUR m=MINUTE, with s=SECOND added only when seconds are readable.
h=11 m=36
